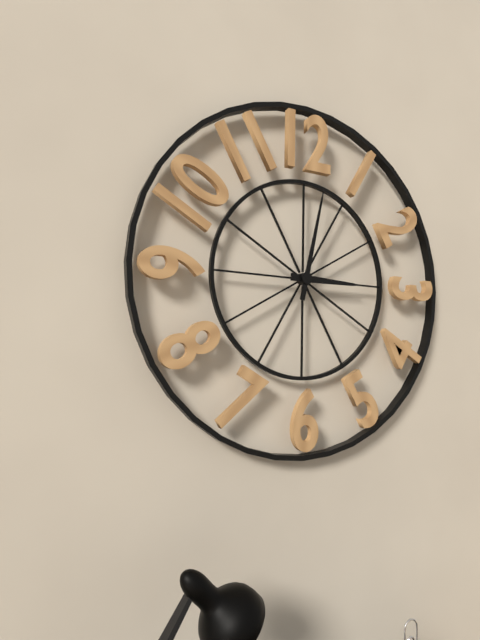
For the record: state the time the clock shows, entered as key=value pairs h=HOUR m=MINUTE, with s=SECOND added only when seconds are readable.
h=3 m=2
